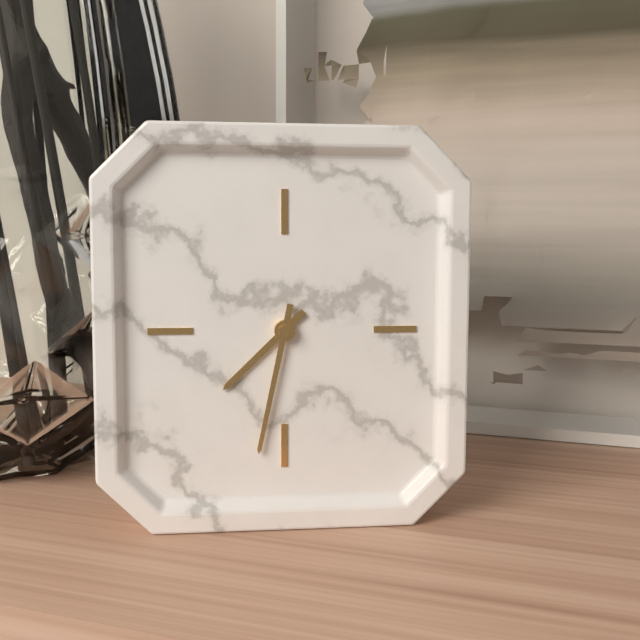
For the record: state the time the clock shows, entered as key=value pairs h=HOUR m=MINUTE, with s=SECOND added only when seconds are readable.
h=7 m=32
